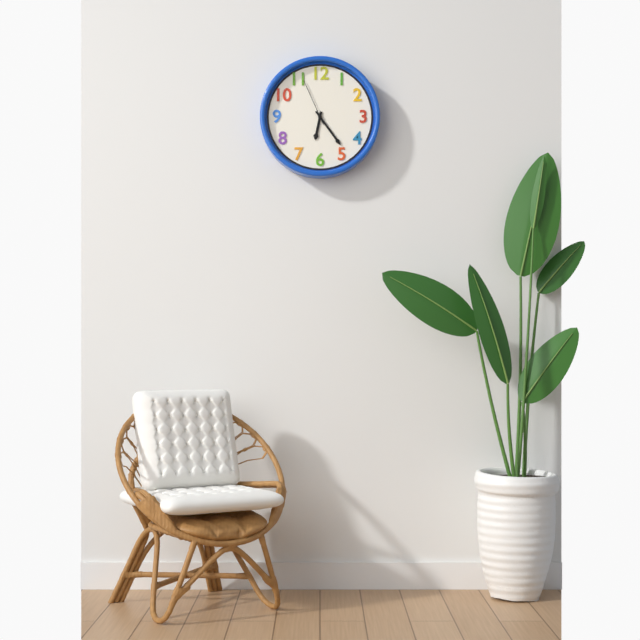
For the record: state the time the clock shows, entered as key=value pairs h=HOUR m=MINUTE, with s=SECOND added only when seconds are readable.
h=6 m=24 s=56
